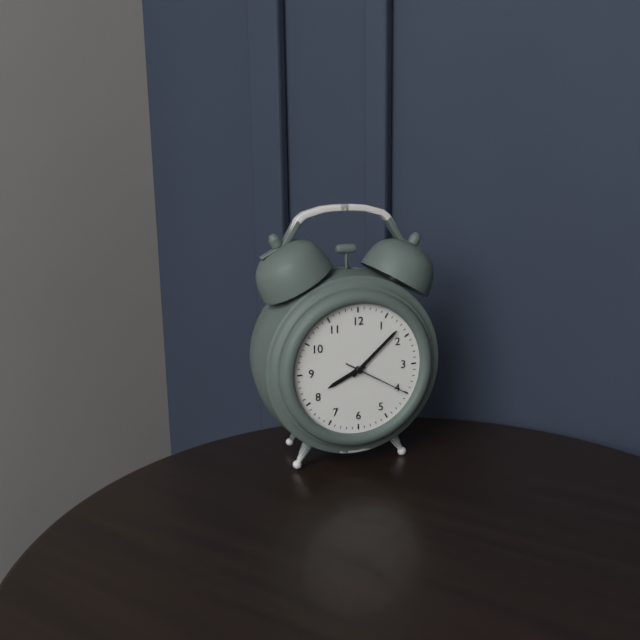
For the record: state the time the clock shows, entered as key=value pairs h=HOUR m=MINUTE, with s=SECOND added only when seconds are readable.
h=8 m=8 s=20
